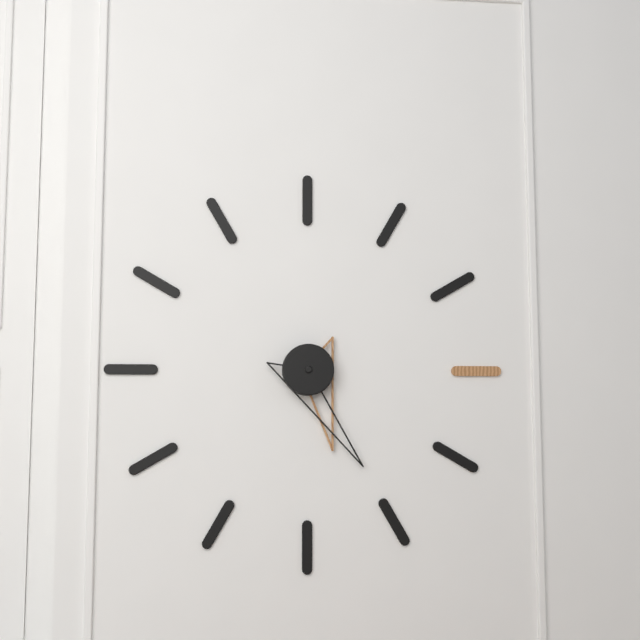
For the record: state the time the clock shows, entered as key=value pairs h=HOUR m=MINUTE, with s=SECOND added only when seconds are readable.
h=5 m=25
